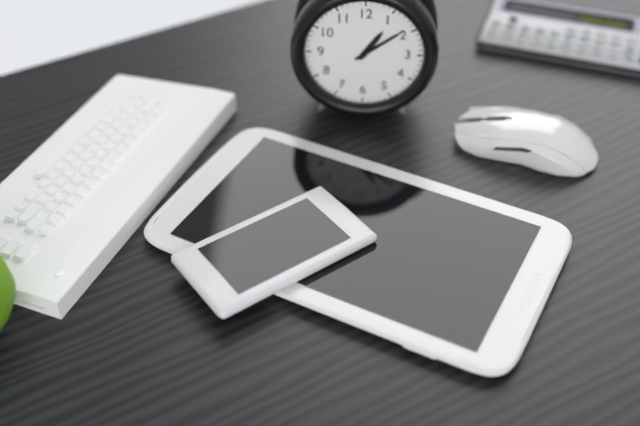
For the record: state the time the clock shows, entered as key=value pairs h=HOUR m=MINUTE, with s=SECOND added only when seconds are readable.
h=1 m=9
